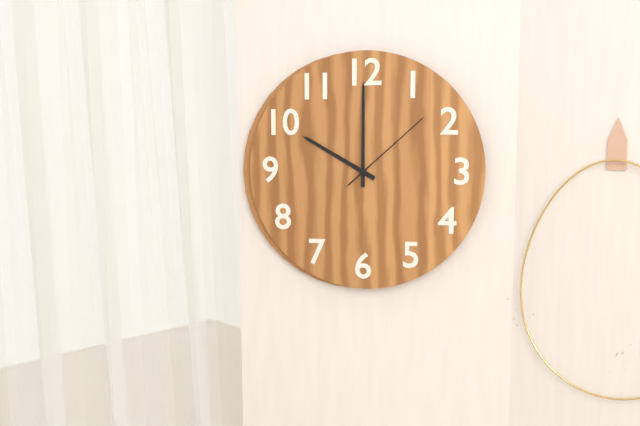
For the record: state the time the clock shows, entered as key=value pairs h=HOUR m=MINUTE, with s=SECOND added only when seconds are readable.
h=10 m=0 s=8
